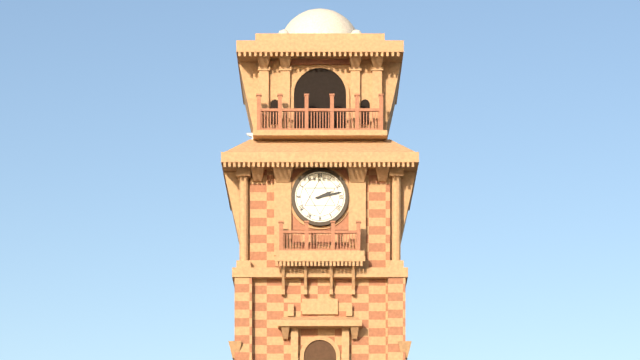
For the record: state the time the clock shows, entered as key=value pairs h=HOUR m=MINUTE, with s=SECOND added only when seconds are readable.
h=2 m=13
